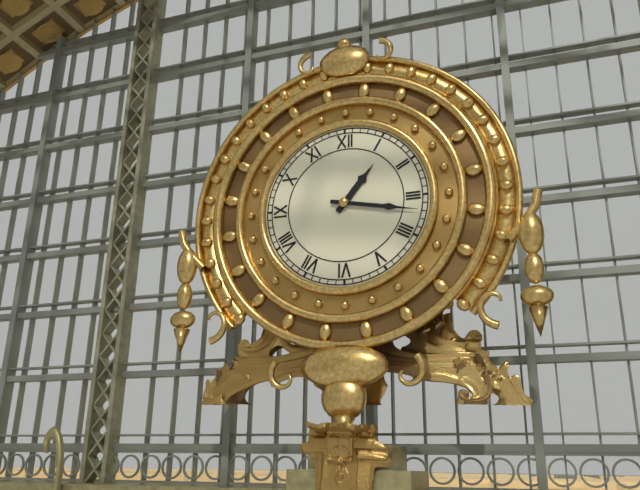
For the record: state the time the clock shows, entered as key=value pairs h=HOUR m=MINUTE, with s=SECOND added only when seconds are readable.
h=1 m=17
